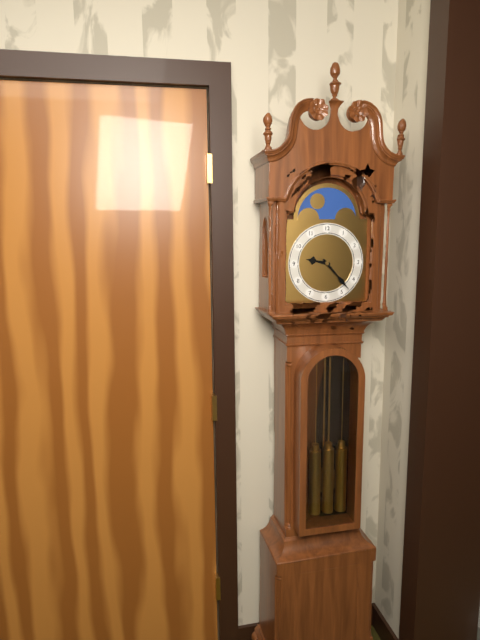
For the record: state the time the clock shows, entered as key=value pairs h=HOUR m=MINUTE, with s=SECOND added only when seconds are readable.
h=9 m=23
